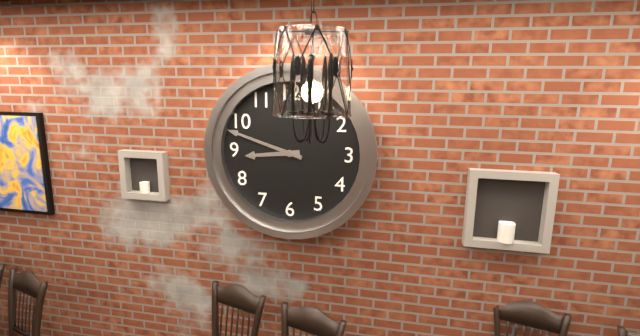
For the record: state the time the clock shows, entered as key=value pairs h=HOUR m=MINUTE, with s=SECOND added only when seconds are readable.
h=8 m=48
